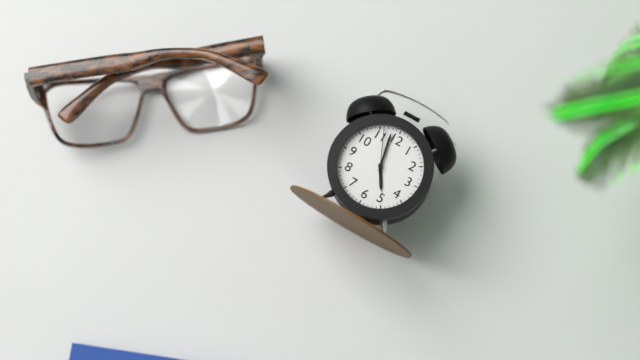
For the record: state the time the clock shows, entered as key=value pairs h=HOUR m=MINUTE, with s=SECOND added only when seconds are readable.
h=4 m=58
